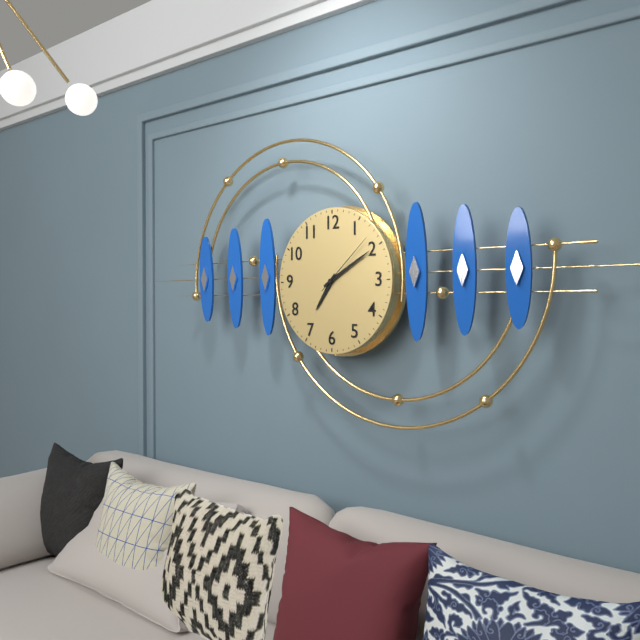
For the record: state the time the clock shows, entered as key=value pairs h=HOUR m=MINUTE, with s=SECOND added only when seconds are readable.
h=7 m=10 s=8
